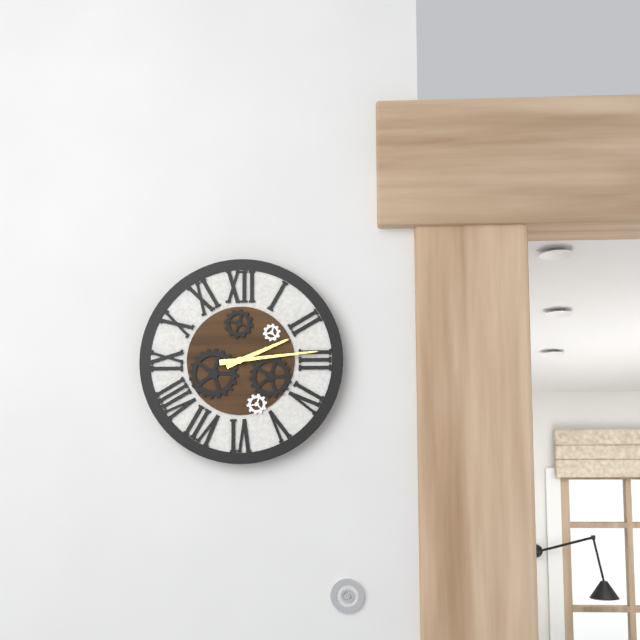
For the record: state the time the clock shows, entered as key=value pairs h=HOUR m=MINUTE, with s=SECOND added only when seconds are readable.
h=2 m=14
